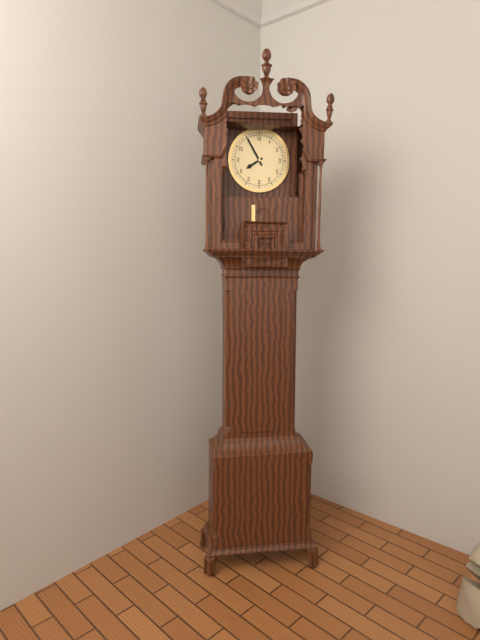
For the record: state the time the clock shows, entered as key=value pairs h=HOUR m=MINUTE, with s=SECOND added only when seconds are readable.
h=7 m=55
